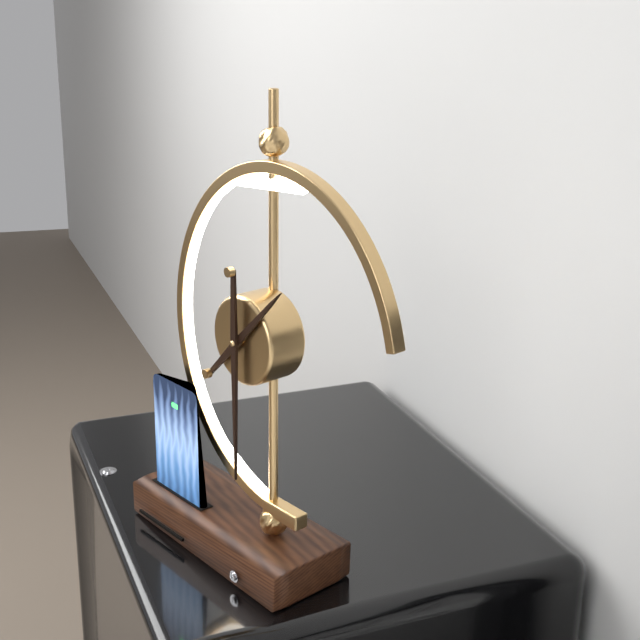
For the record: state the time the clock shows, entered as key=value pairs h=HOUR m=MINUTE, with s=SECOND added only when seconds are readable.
h=1 m=30
